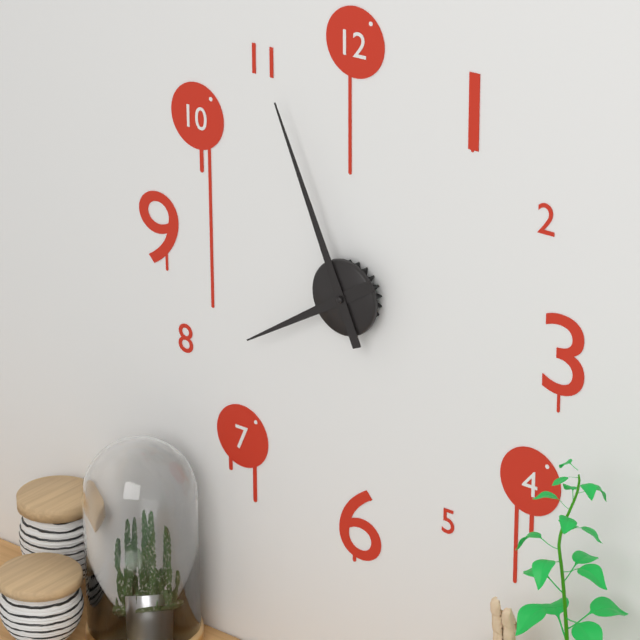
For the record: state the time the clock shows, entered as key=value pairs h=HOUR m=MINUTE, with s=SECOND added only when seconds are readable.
h=7 m=56
